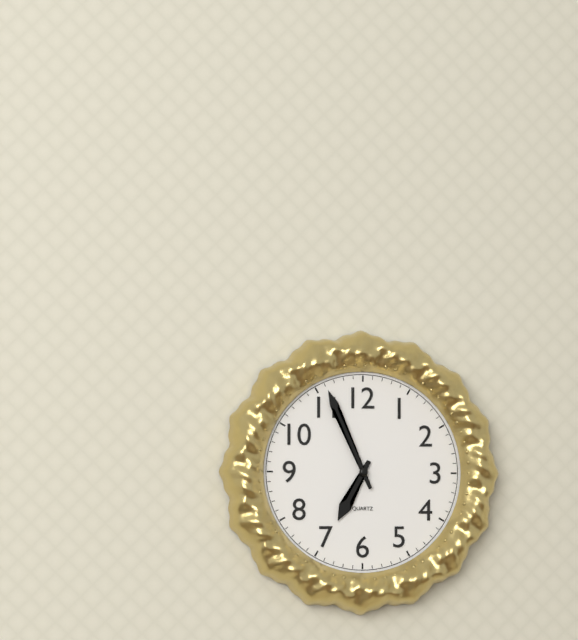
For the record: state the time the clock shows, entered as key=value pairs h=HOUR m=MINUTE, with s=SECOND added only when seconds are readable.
h=6 m=56
